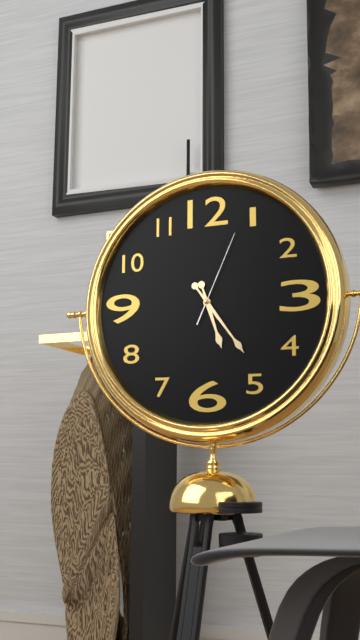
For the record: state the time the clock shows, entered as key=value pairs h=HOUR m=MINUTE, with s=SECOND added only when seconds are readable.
h=5 m=24 s=4
